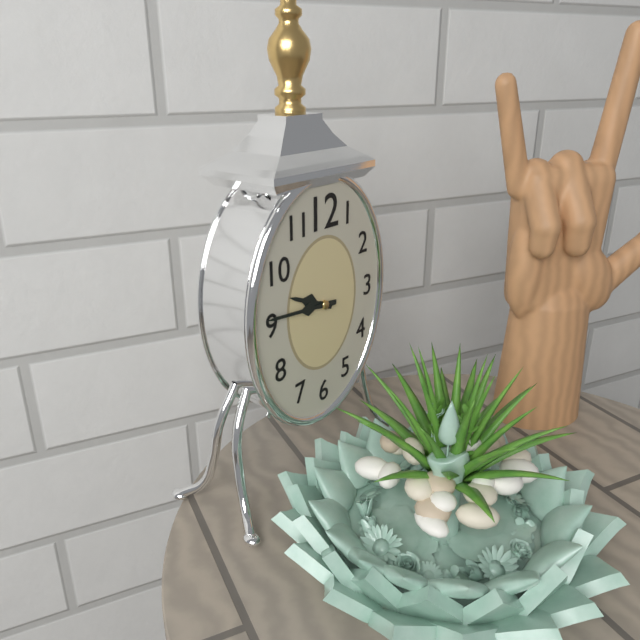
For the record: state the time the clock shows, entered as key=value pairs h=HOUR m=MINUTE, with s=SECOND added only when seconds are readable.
h=9 m=46
